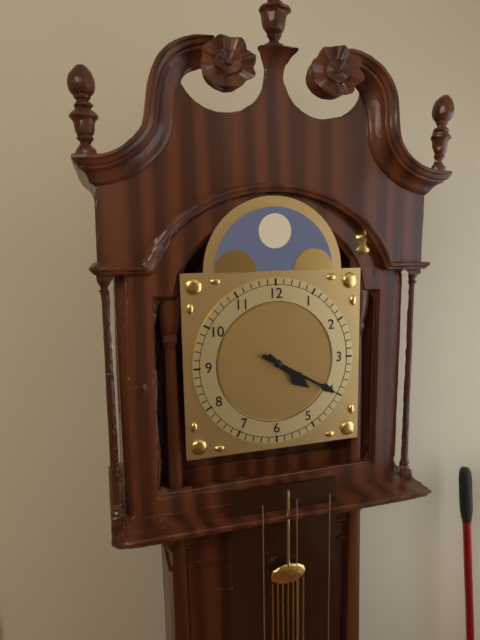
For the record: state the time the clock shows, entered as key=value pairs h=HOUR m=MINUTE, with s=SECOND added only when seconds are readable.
h=4 m=20
